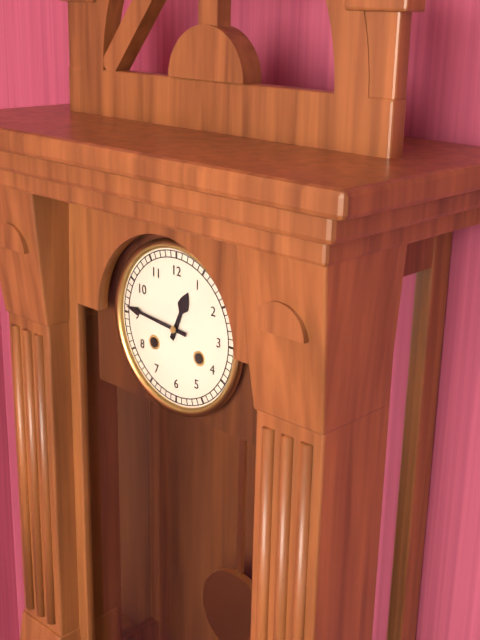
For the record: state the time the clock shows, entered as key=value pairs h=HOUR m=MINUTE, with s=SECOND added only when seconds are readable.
h=12 m=46
